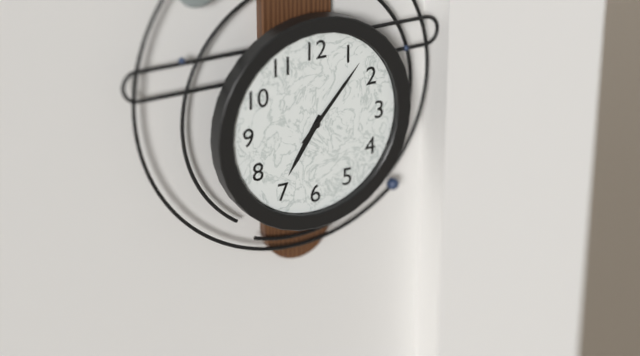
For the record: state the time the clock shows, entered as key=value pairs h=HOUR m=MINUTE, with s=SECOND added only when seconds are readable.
h=7 m=7
